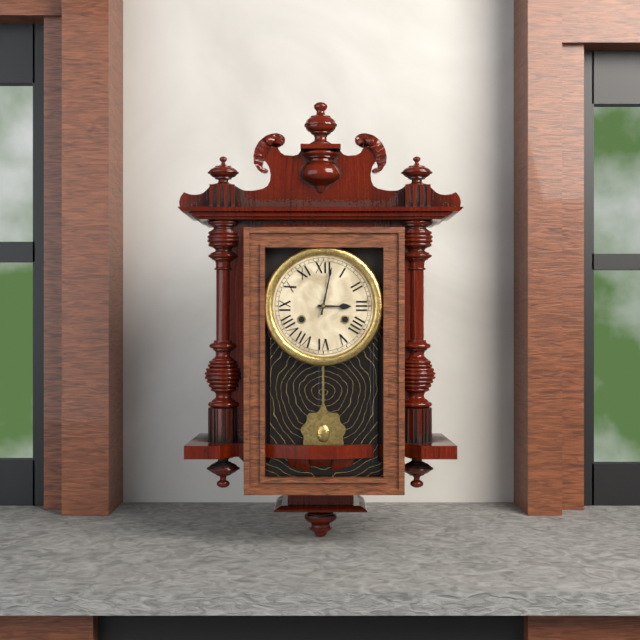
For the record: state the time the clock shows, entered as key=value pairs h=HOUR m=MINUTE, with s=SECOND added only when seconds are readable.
h=3 m=2
